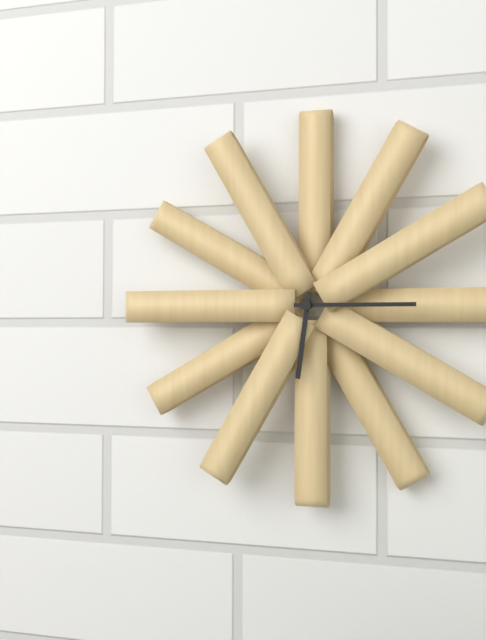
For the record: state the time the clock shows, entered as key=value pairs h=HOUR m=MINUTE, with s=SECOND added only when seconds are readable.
h=6 m=15
